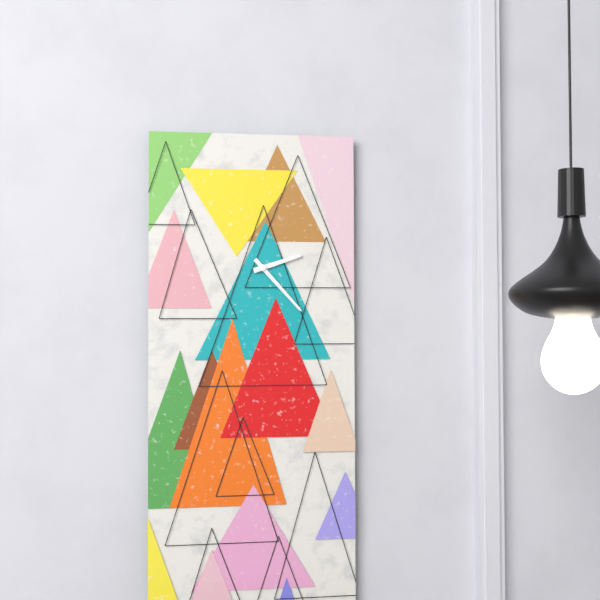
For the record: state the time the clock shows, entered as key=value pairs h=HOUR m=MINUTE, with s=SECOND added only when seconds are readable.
h=2 m=23
